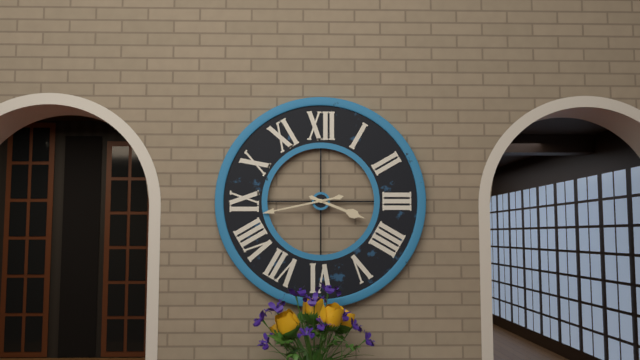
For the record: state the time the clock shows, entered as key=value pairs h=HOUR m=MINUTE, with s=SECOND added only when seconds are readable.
h=3 m=43
